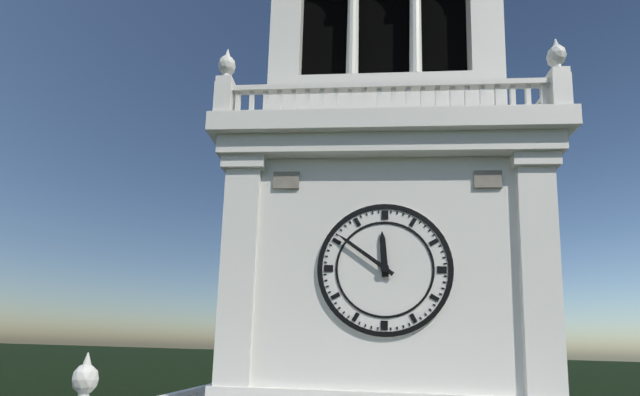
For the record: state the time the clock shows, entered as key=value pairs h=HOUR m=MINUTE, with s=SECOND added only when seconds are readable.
h=11 m=51
